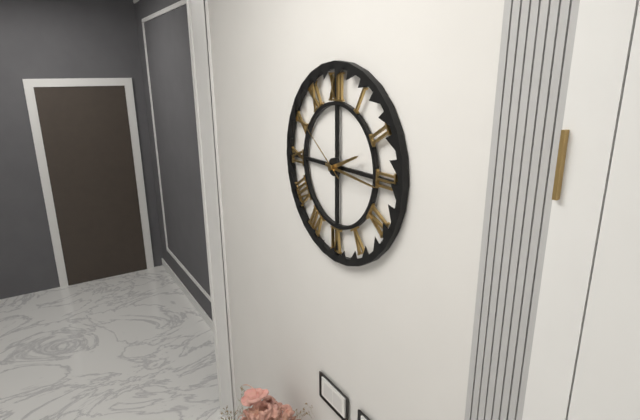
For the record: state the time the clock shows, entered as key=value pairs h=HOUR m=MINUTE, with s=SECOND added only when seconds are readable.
h=2 m=16 s=51
